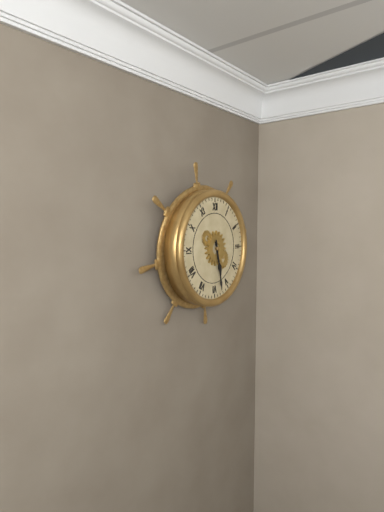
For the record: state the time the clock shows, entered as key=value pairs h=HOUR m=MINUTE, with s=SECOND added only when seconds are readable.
h=5 m=28
